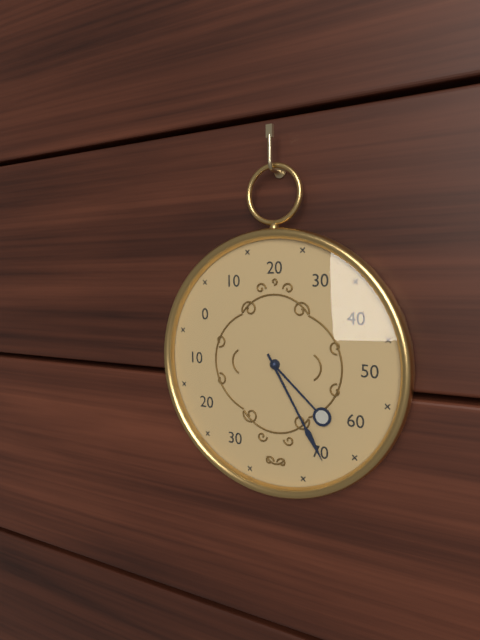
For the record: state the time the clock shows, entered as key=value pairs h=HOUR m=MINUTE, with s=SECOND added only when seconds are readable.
h=4 m=25
